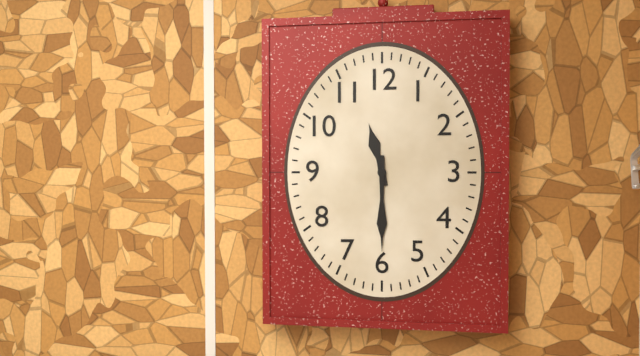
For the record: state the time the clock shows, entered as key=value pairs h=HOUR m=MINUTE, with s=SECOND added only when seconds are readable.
h=11 m=30
